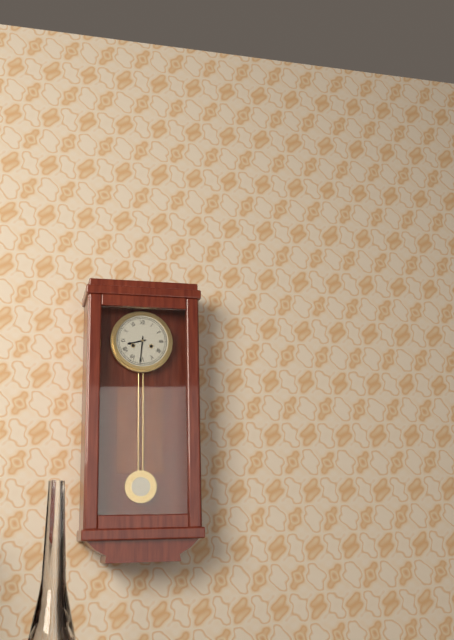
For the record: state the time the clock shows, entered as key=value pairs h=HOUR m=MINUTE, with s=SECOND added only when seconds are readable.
h=8 m=31
